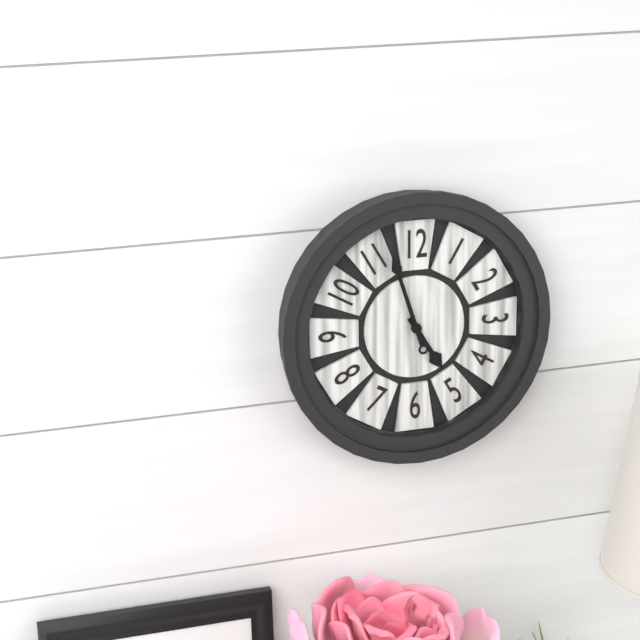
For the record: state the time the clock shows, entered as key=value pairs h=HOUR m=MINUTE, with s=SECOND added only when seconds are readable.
h=4 m=57
